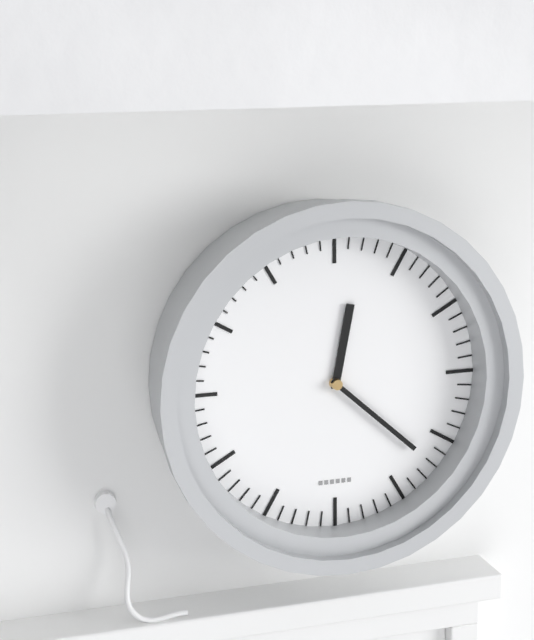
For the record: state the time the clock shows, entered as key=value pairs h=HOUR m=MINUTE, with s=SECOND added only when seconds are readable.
h=12 m=22
